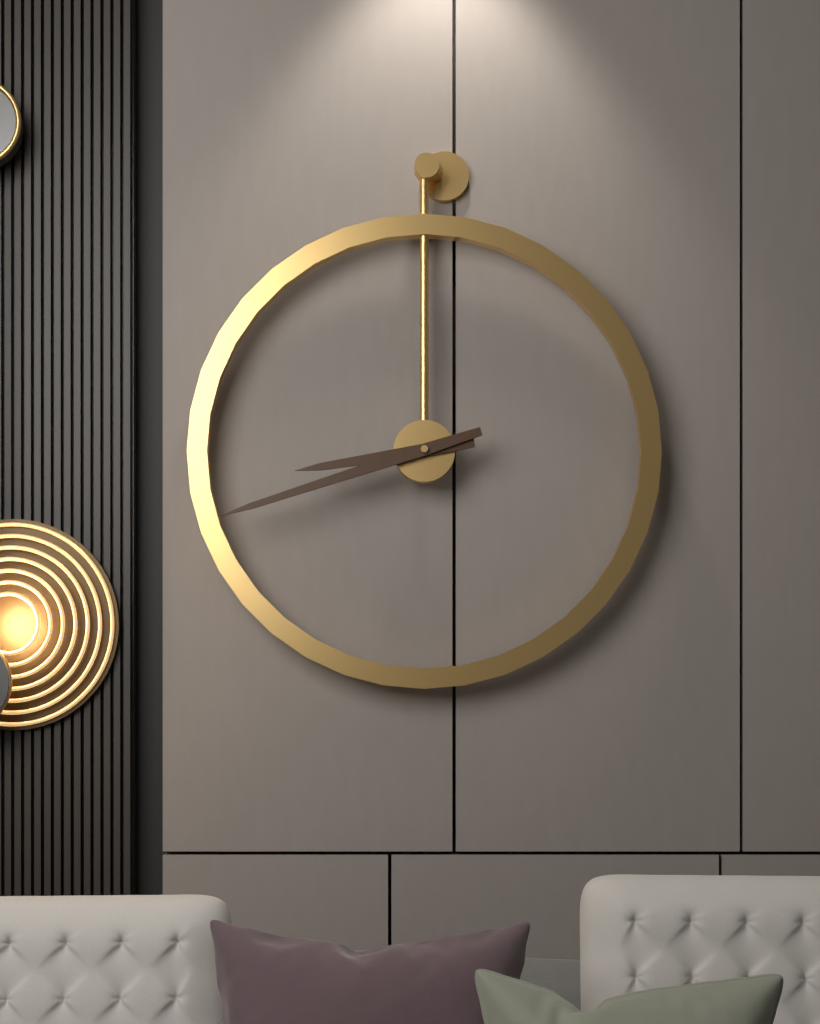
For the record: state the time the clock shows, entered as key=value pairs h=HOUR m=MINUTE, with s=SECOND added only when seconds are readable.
h=8 m=42
